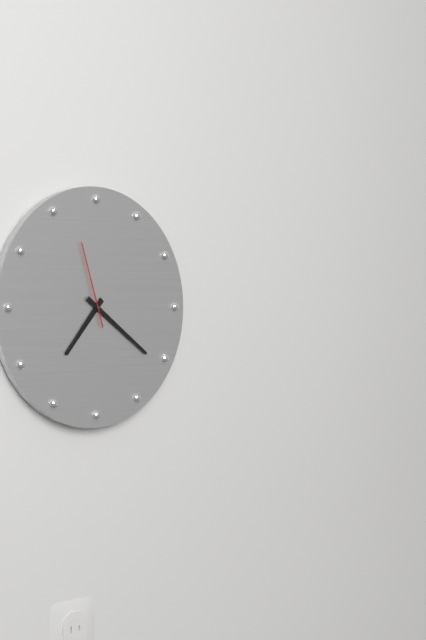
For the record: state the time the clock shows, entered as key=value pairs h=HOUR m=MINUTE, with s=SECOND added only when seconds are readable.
h=7 m=21 s=57
